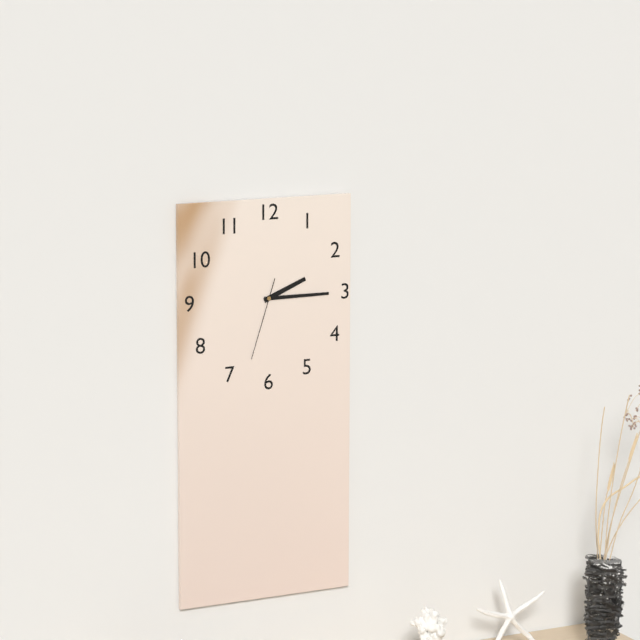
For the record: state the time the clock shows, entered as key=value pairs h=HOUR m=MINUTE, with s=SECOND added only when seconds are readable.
h=2 m=15 s=33
